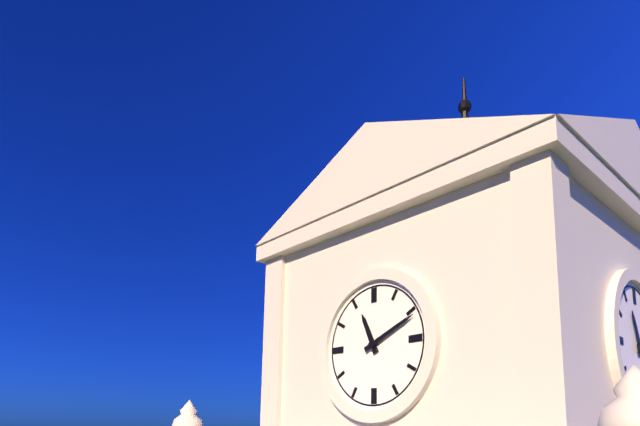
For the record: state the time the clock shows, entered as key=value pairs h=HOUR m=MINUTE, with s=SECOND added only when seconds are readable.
h=11 m=11
